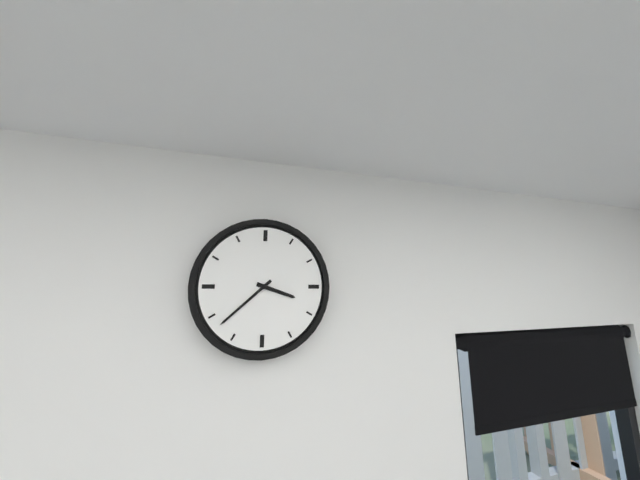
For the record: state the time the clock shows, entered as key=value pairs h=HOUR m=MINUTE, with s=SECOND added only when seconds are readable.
h=3 m=38
